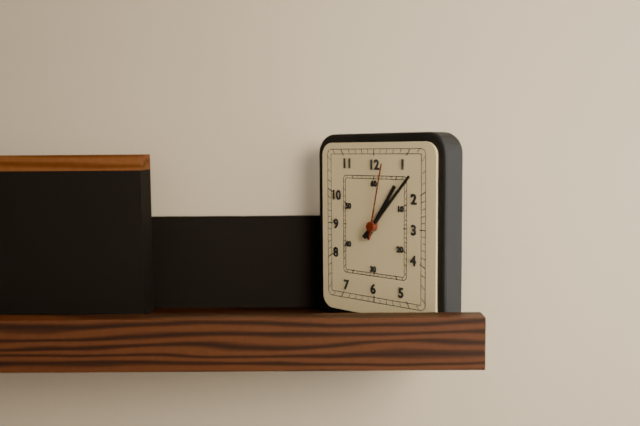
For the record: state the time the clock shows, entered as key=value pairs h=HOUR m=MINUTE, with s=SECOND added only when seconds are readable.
h=1 m=7 s=2
